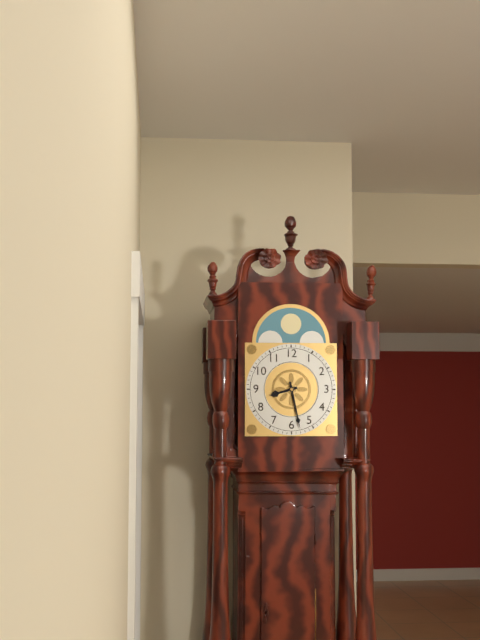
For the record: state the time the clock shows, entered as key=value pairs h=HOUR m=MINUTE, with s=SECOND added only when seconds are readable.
h=8 m=28
